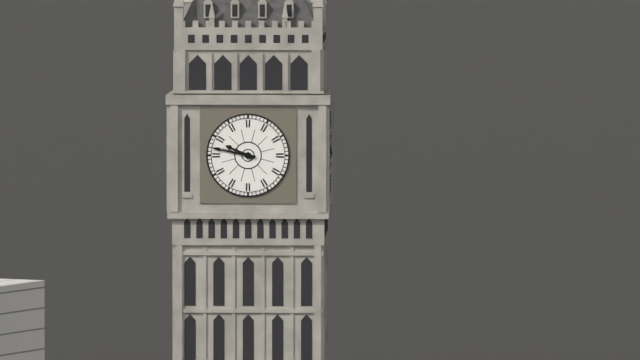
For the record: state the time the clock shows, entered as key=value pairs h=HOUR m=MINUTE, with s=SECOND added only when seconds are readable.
h=9 m=47
